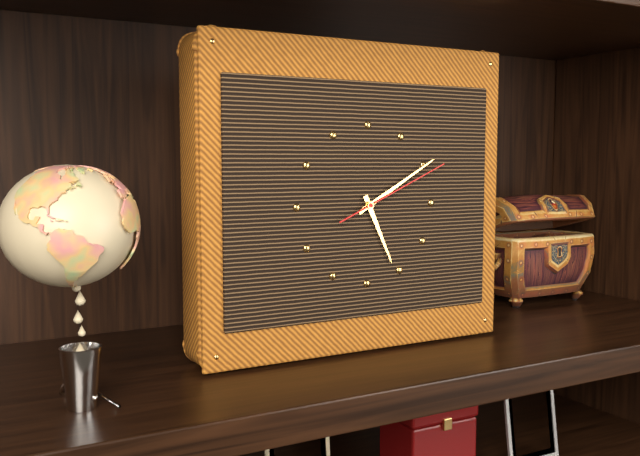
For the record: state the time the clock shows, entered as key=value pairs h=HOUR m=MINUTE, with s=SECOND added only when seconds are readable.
h=5 m=10 s=11
